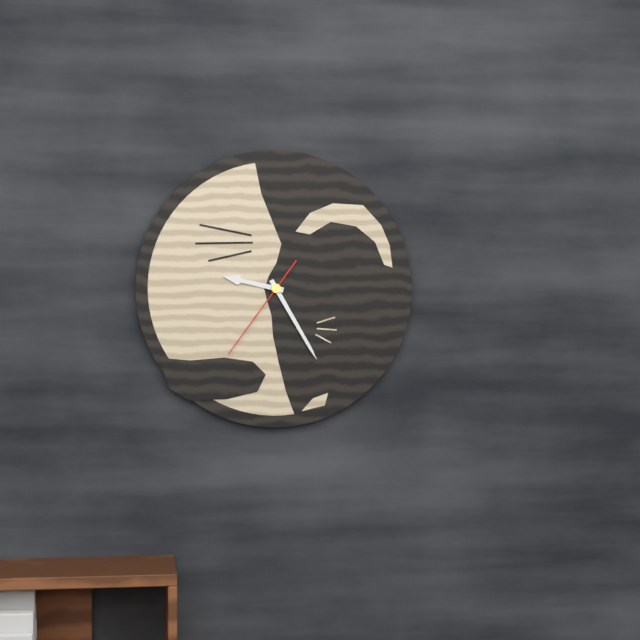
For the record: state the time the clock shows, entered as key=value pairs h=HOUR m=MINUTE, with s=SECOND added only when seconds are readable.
h=9 m=25 s=36
